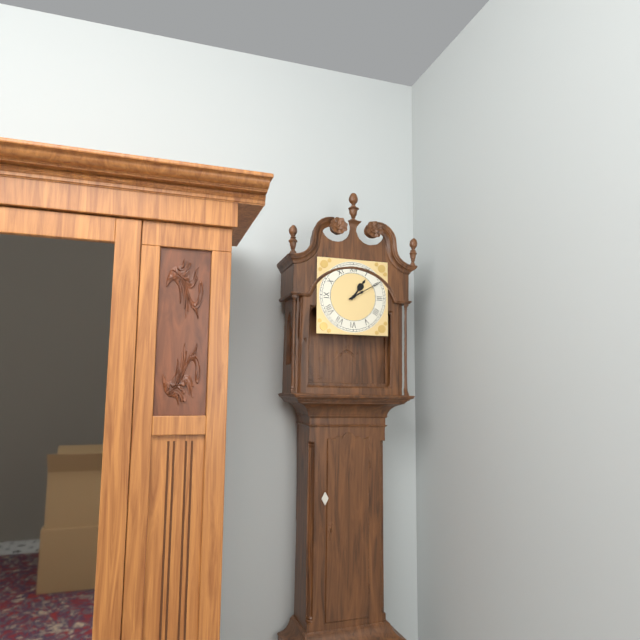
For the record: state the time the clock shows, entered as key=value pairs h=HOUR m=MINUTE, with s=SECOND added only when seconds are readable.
h=1 m=10
